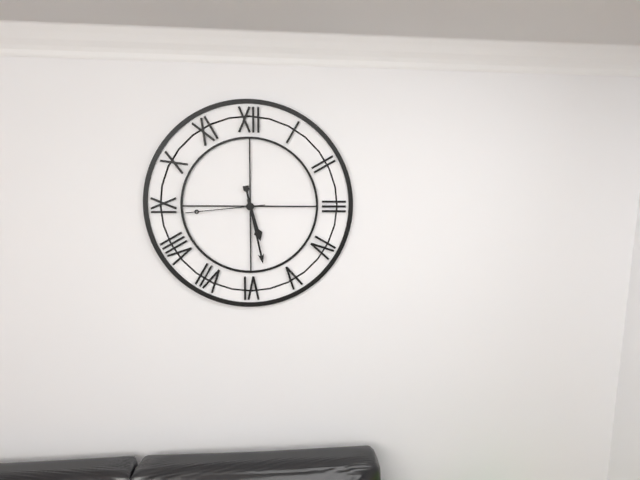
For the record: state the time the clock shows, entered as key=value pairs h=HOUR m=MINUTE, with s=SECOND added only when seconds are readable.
h=5 m=28 s=44
